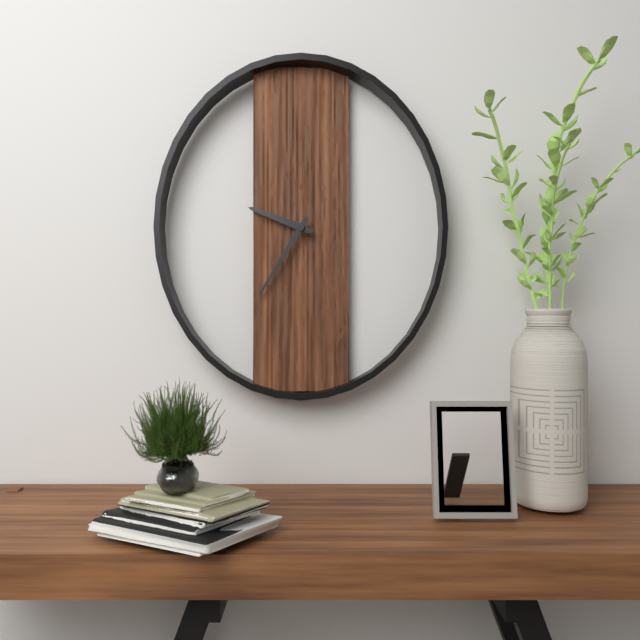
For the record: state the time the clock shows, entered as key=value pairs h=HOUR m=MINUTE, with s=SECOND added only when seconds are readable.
h=9 m=36
